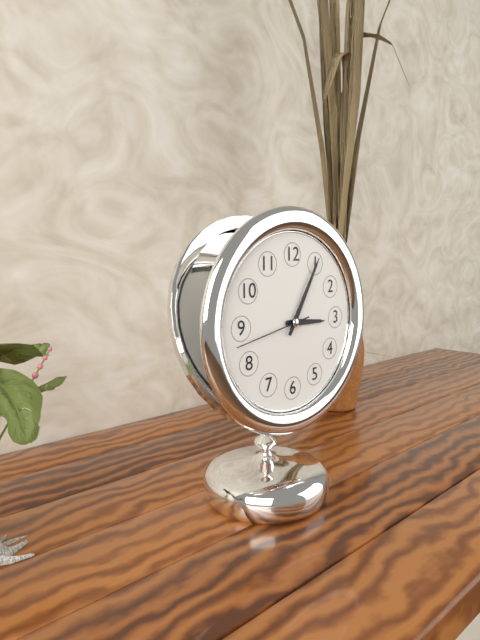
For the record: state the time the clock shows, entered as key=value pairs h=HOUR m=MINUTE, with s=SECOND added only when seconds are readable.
h=3 m=5 s=43
